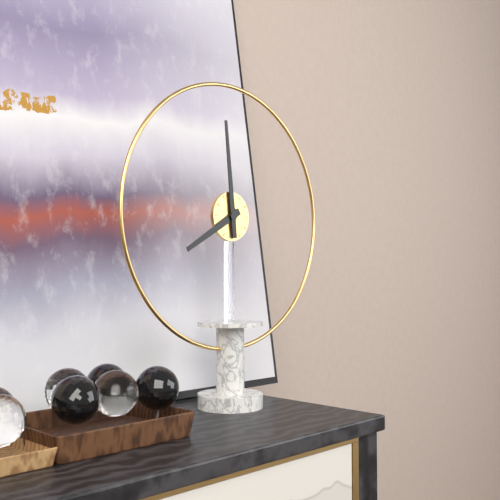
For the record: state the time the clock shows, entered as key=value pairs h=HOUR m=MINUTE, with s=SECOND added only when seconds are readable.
h=7 m=59
